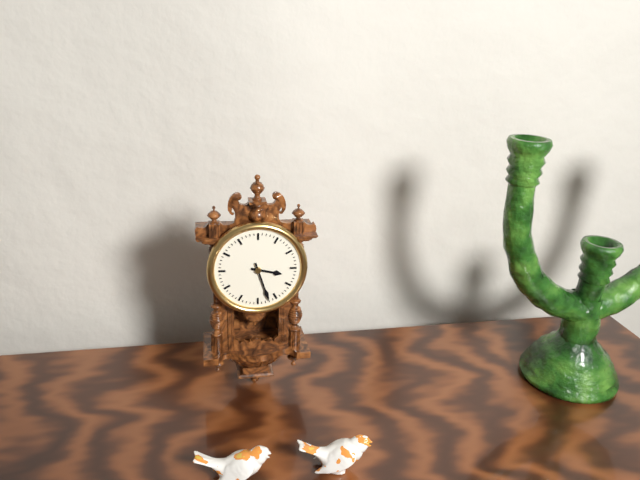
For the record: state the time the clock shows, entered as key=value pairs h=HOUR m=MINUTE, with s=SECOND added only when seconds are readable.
h=3 m=27
